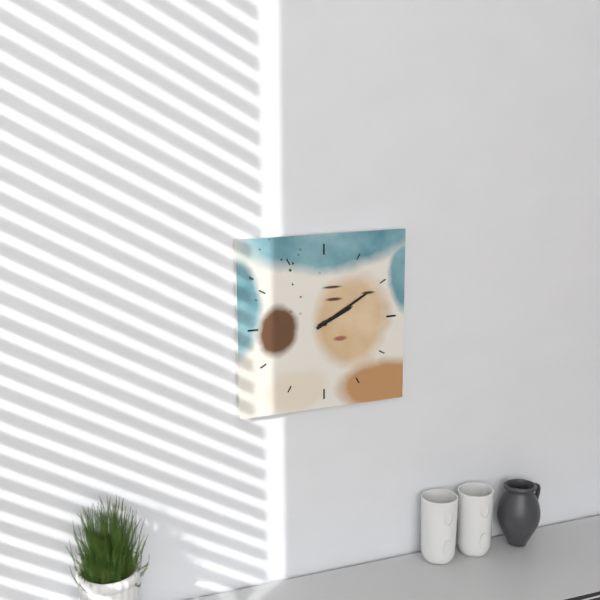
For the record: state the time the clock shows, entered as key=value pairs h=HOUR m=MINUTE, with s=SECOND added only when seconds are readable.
h=2 m=10
